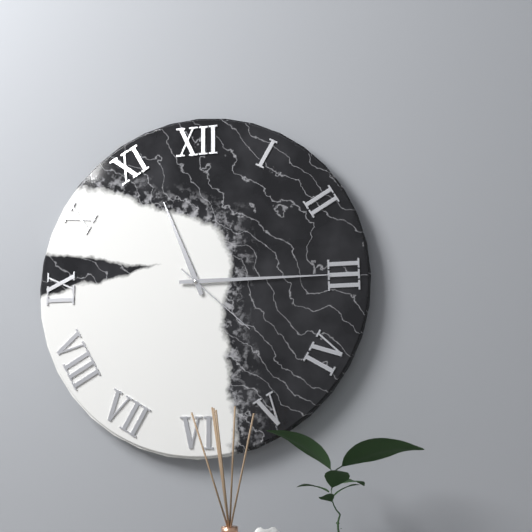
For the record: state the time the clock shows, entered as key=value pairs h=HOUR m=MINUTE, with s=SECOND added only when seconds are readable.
h=11 m=15 s=22
